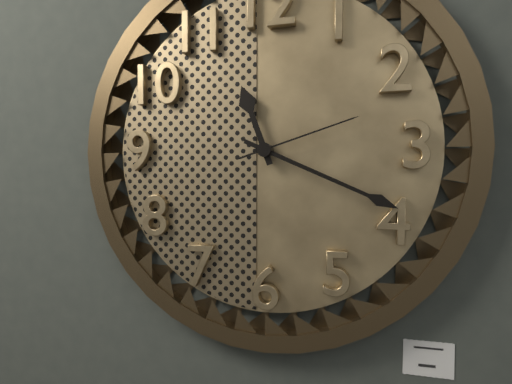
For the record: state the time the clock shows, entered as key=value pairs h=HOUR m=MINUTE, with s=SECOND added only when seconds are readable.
h=11 m=19 s=12
